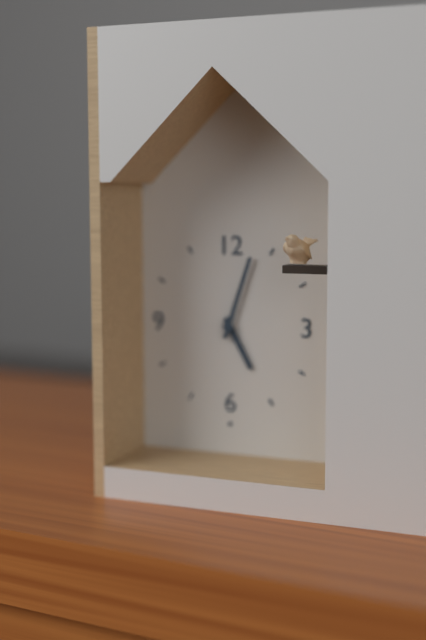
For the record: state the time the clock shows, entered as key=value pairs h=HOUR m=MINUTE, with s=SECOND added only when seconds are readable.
h=5 m=3
